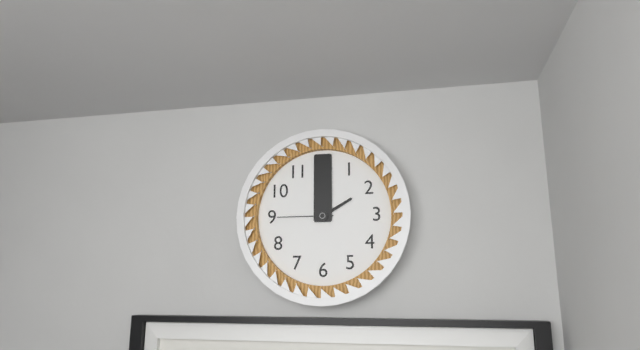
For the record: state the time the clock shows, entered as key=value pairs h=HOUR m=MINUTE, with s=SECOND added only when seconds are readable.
h=2 m=0 s=45
